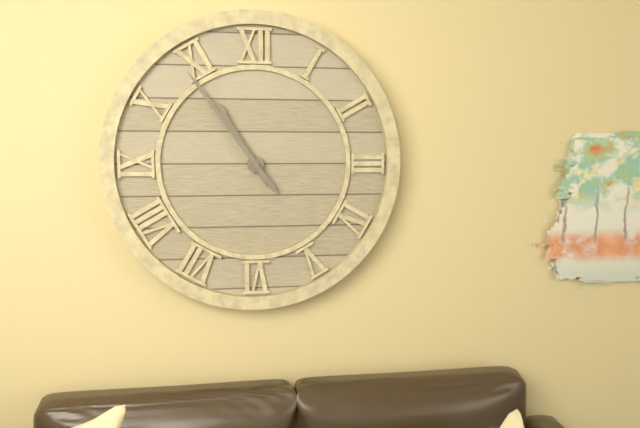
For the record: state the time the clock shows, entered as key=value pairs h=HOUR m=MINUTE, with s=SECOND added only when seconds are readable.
h=10 m=54
